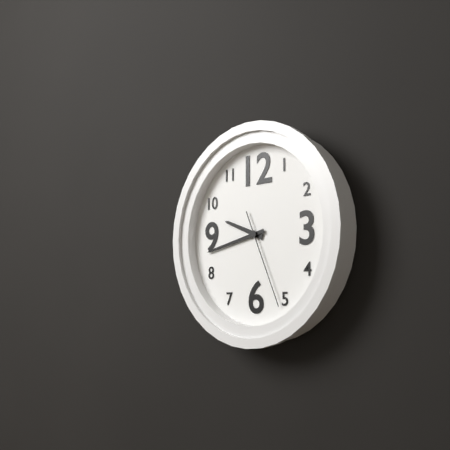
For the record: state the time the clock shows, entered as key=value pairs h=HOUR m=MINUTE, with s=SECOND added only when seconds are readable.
h=9 m=43 s=26
